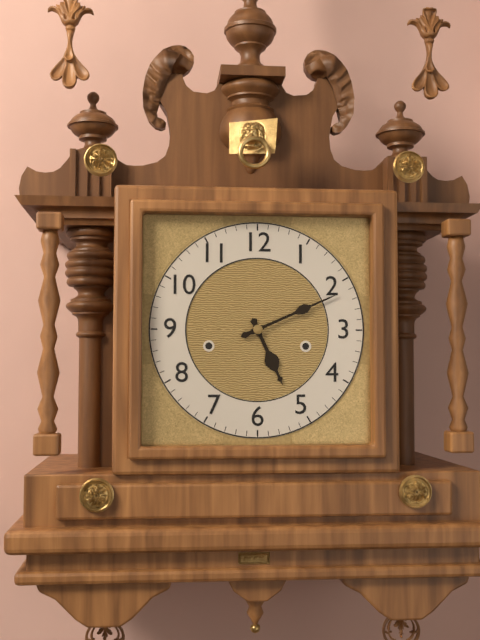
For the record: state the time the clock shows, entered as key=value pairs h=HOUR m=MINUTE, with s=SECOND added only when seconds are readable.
h=5 m=11
